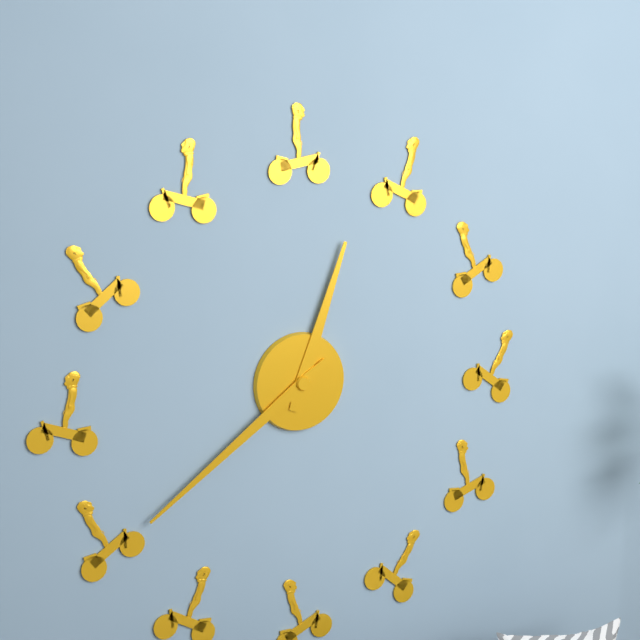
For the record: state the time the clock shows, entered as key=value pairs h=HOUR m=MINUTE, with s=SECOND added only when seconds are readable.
h=12 m=39
